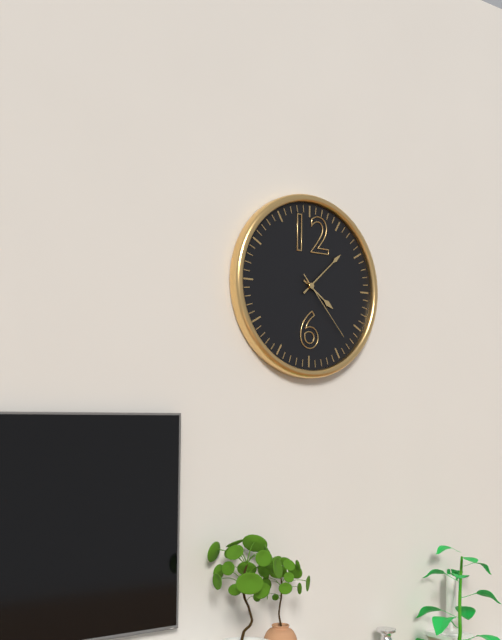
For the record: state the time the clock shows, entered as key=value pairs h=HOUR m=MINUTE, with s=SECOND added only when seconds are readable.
h=4 m=8 s=23
